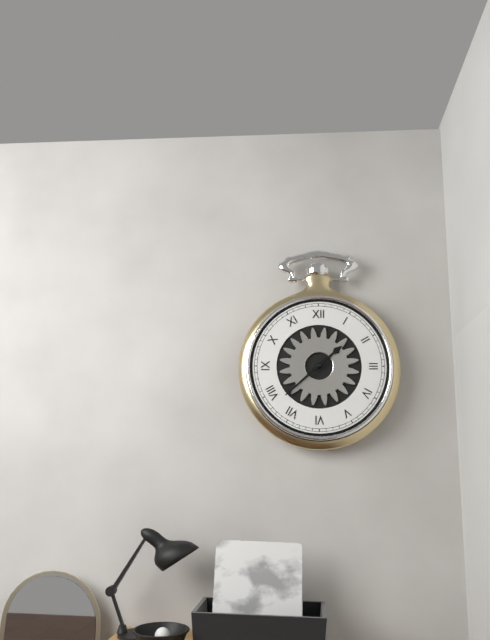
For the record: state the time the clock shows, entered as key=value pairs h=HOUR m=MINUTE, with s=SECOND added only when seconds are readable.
h=1 m=38
